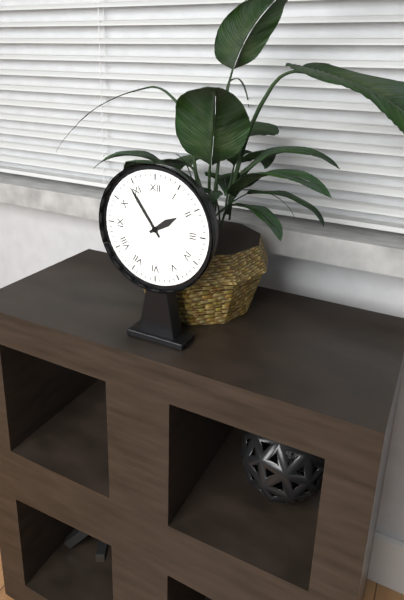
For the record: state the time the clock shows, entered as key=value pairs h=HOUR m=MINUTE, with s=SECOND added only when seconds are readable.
h=1 m=54
